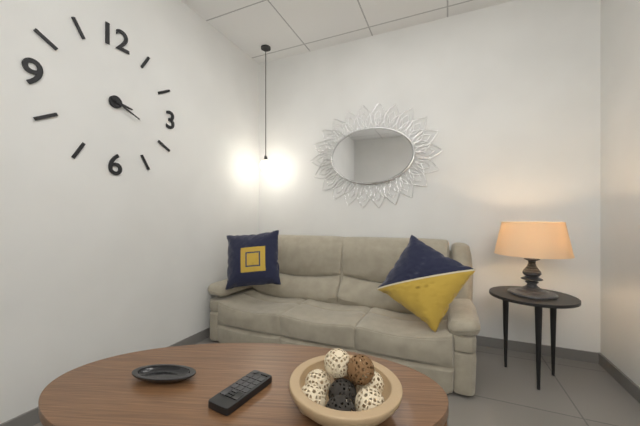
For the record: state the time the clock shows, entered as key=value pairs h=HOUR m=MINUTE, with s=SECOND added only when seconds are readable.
h=3 m=19
